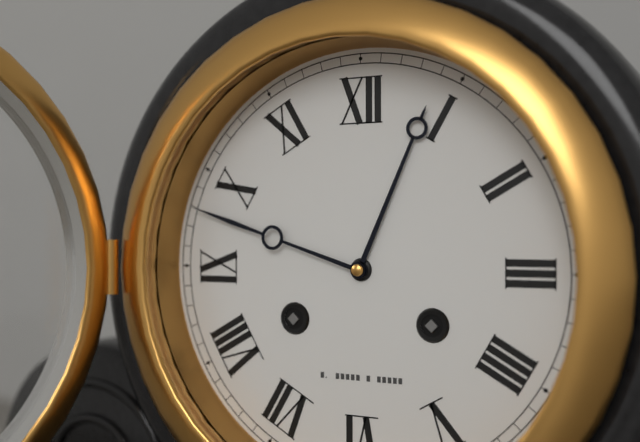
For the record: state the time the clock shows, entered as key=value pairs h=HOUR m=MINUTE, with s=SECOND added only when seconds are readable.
h=12 m=48
